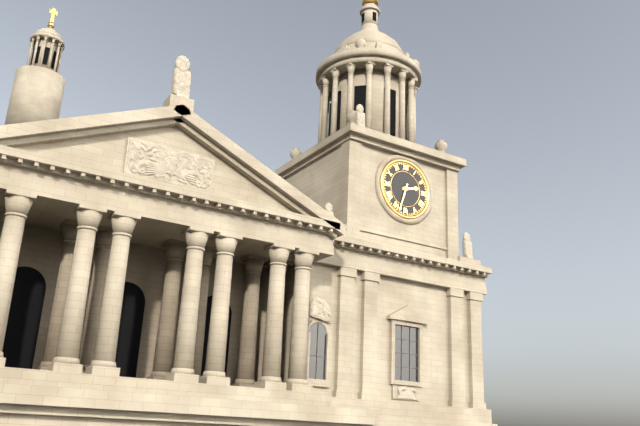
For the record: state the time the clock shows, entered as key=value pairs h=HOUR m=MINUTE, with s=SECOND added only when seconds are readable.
h=2 m=33
